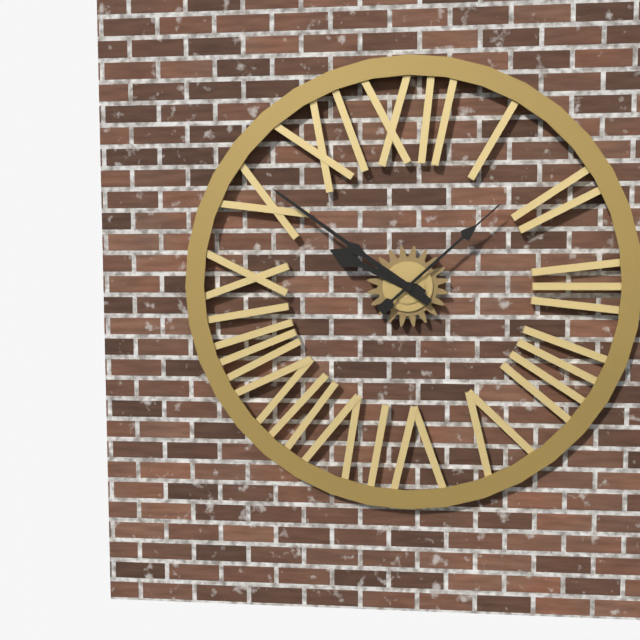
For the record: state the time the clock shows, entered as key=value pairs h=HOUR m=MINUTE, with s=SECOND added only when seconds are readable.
h=9 m=51 s=8
